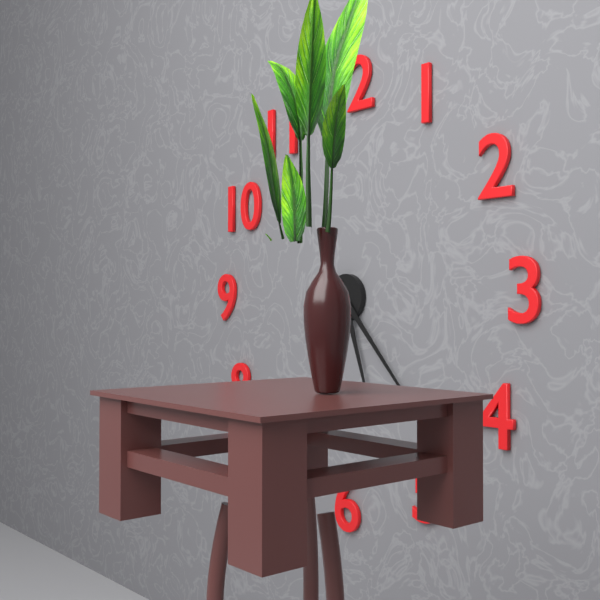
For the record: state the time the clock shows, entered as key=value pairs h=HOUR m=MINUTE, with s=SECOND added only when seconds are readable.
h=5 m=23
